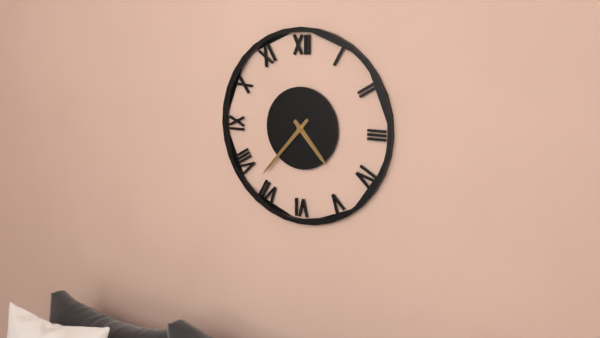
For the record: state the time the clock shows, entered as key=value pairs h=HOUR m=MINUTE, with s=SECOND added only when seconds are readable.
h=4 m=37
